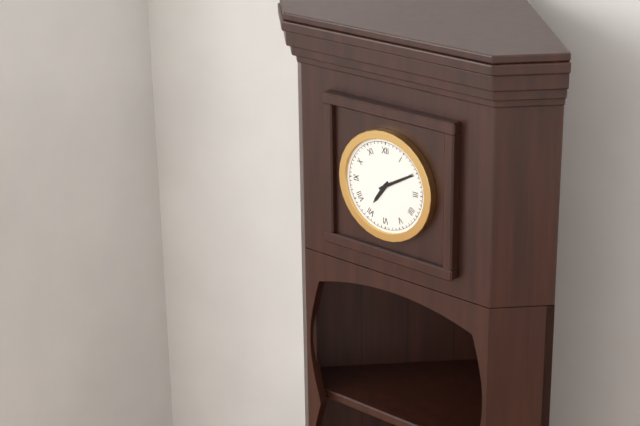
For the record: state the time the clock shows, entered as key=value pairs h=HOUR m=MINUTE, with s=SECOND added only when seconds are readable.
h=7 m=10
